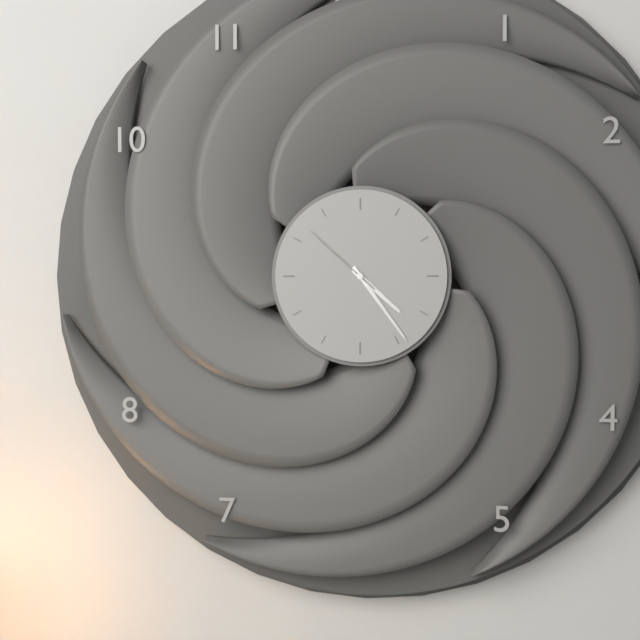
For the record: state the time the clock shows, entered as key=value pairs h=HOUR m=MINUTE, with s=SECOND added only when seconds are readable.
h=4 m=24 s=52
